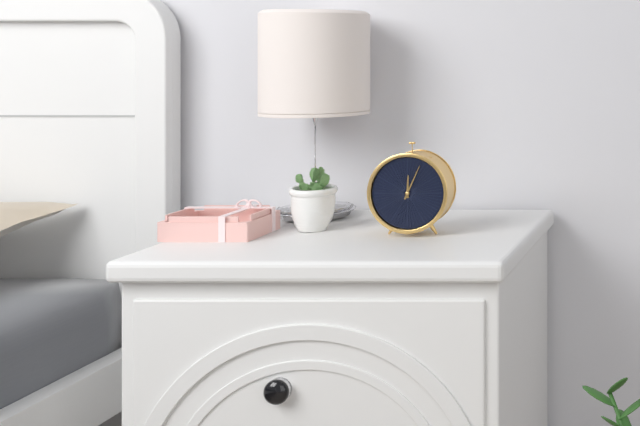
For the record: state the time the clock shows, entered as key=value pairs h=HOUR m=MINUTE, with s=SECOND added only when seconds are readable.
h=12 m=4
